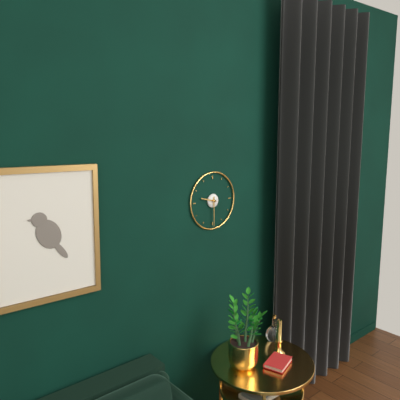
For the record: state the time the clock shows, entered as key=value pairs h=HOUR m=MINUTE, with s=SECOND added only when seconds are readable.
h=9 m=30
